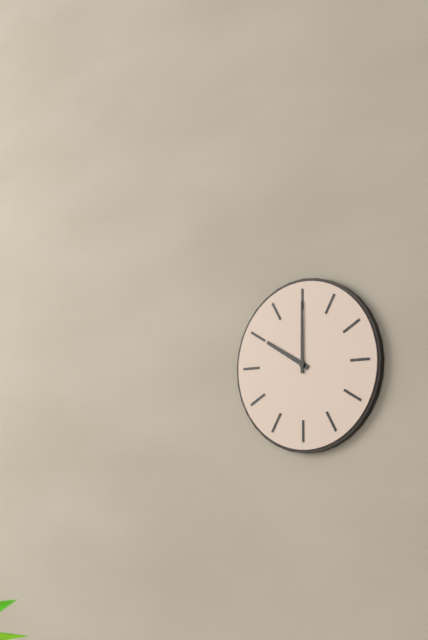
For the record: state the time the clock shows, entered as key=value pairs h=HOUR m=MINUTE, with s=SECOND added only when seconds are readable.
h=10 m=0
